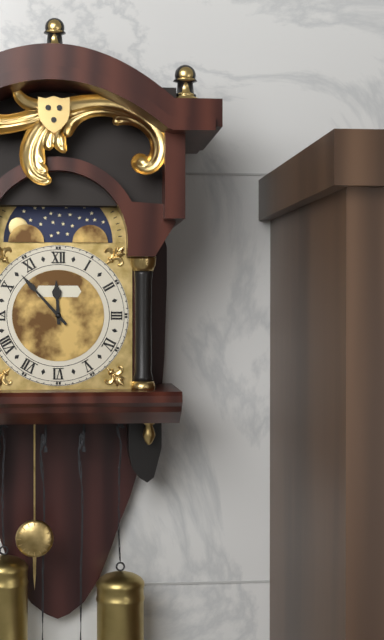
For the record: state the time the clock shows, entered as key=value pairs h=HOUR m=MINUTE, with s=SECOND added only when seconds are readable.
h=11 m=53
